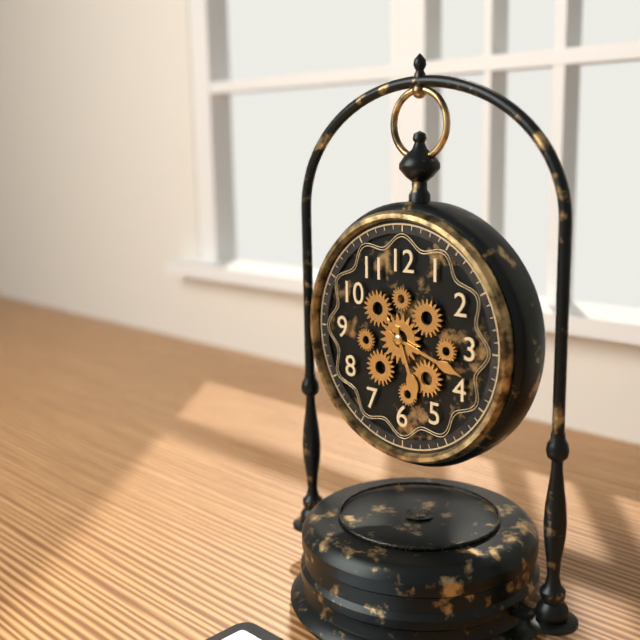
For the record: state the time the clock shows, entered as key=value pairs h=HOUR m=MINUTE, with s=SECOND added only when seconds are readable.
h=5 m=18
